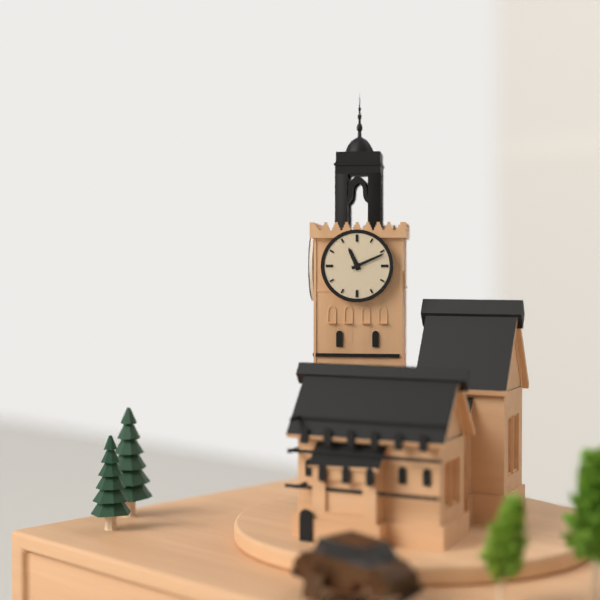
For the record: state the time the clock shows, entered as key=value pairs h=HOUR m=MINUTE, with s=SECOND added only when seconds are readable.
h=11 m=11
